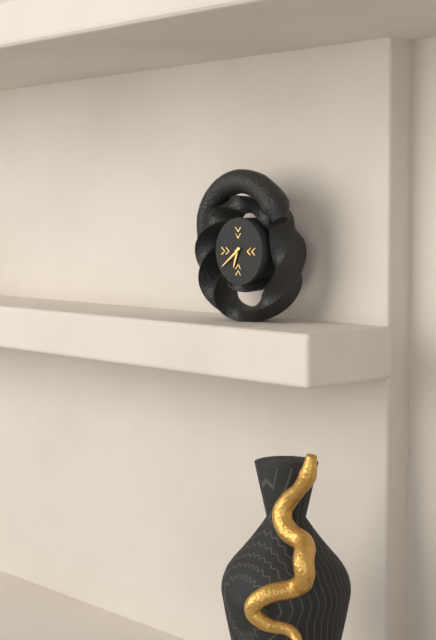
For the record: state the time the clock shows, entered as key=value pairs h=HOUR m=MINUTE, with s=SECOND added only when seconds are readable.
h=6 m=39
